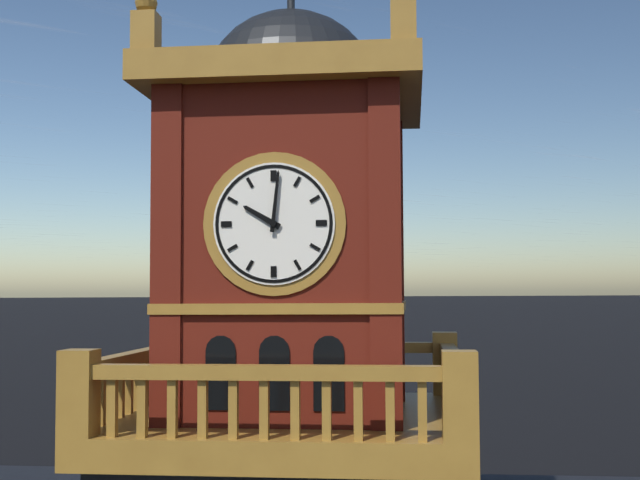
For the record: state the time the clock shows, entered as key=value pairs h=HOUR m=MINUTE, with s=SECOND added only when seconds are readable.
h=10 m=1
